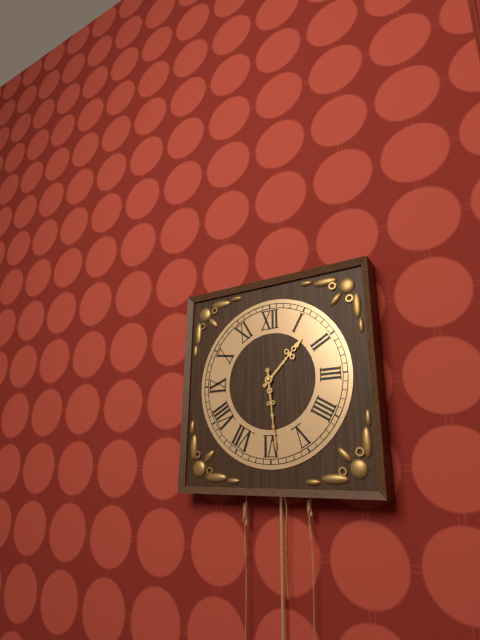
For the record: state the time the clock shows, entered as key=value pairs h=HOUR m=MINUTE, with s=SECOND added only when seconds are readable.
h=1 m=29
